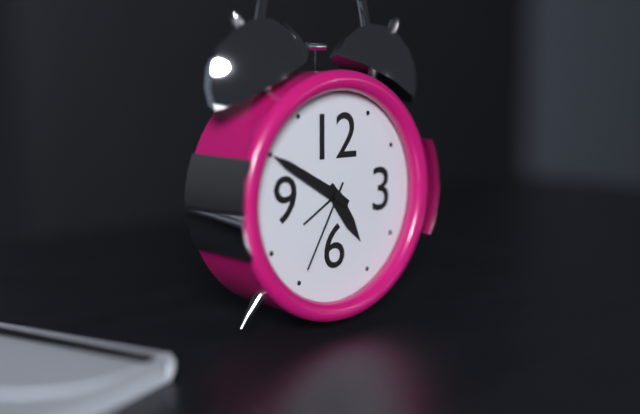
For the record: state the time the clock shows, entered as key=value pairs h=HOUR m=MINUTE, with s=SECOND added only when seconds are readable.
h=4 m=50 s=35
